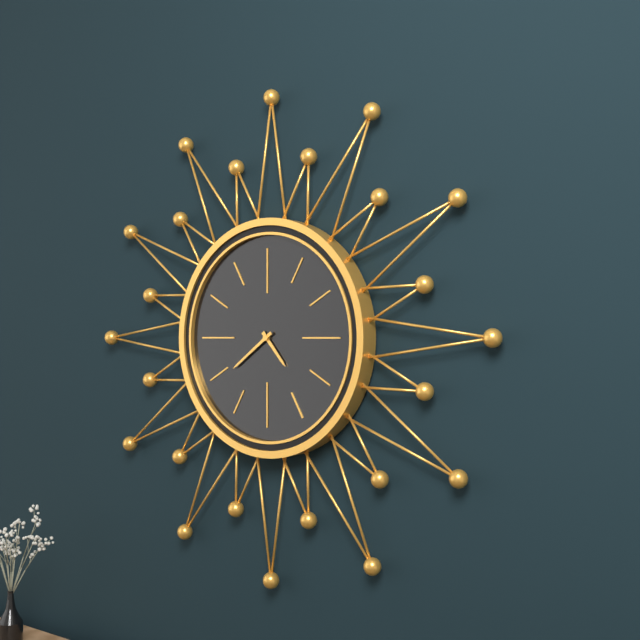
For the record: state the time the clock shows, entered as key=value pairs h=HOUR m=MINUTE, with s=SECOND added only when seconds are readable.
h=4 m=39
